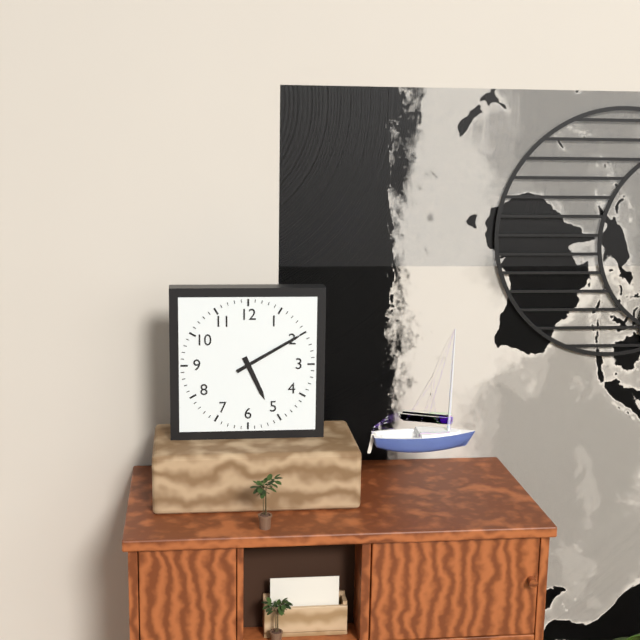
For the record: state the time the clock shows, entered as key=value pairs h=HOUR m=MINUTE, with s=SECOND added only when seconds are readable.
h=5 m=10
